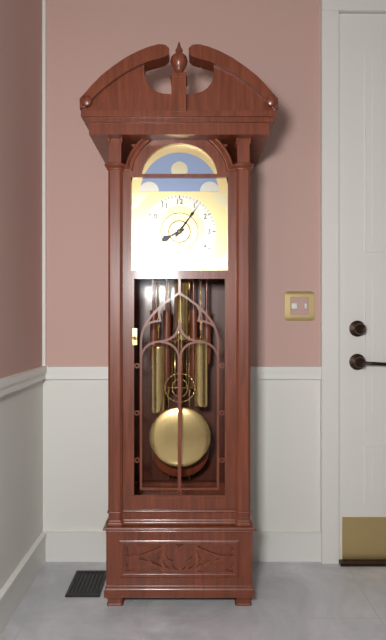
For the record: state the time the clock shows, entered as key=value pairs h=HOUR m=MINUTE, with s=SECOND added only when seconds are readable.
h=8 m=6
